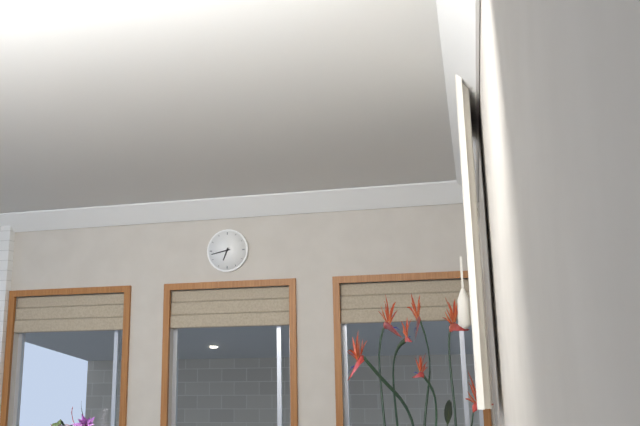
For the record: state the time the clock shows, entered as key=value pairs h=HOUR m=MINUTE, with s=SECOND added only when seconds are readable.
h=6 m=43
